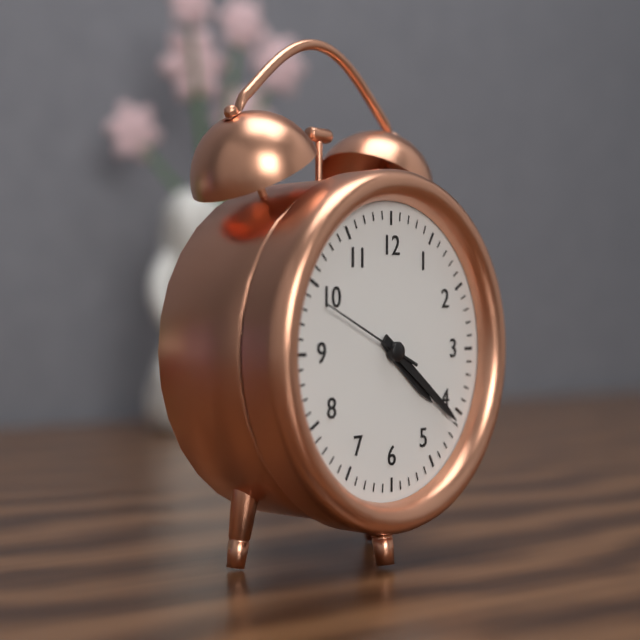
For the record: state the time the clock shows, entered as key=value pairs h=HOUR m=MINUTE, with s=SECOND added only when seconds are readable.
h=4 m=21 s=49
